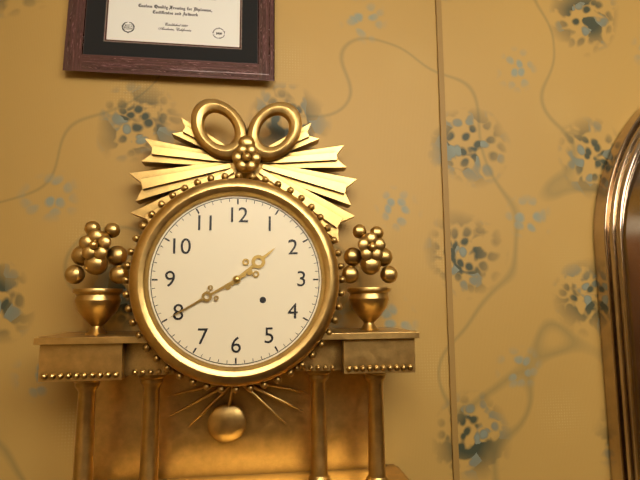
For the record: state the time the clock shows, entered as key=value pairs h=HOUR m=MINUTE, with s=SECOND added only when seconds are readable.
h=1 m=40
